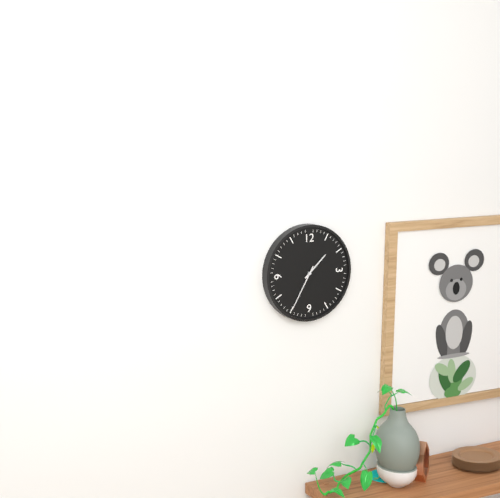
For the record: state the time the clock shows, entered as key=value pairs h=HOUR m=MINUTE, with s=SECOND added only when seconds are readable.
h=1 m=35
